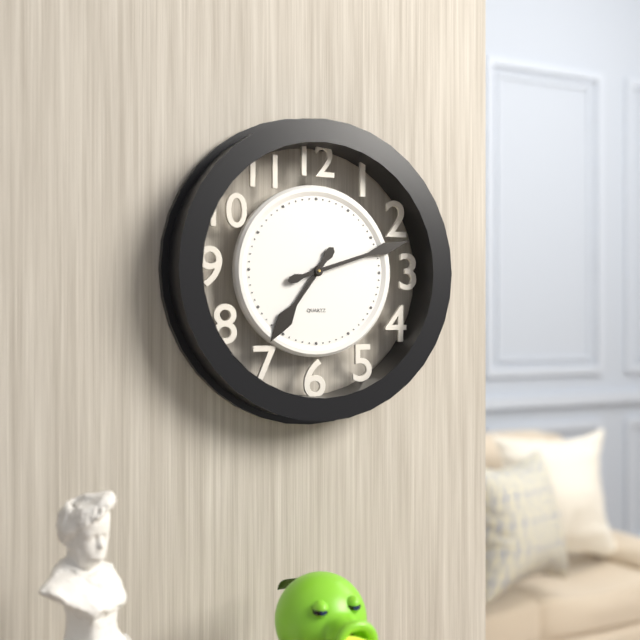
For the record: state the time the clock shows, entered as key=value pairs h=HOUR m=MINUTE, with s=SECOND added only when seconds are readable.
h=7 m=12
